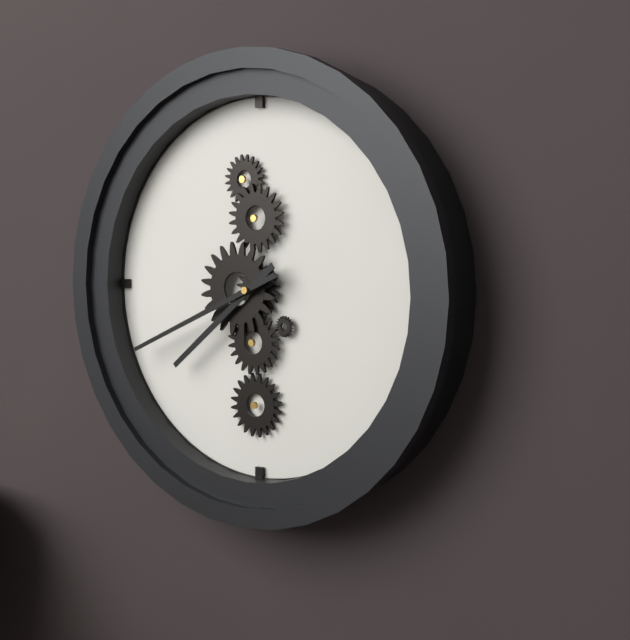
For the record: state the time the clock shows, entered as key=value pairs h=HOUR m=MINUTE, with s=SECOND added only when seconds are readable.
h=7 m=41
